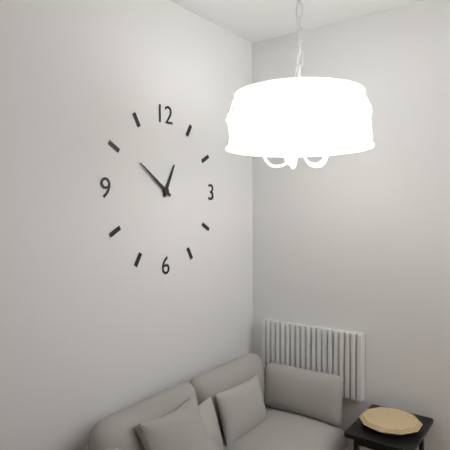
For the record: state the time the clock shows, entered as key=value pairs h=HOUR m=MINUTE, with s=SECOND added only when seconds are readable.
h=12 m=51
